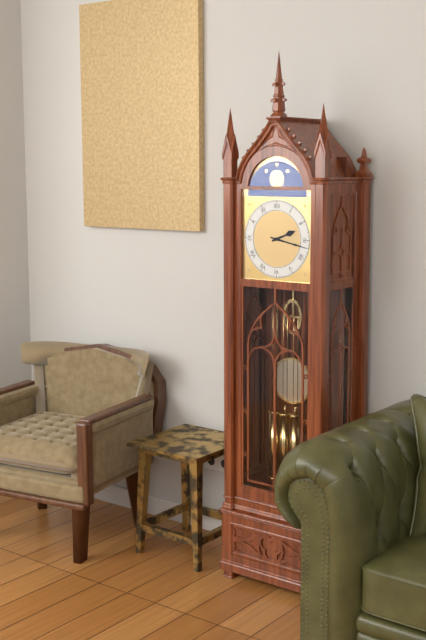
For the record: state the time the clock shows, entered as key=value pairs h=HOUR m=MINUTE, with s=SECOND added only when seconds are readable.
h=2 m=17
